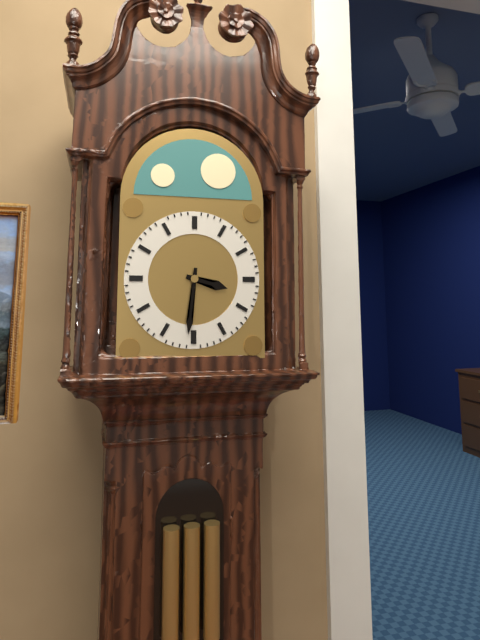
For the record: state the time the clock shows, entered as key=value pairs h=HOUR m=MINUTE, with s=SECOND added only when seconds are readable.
h=3 m=31
